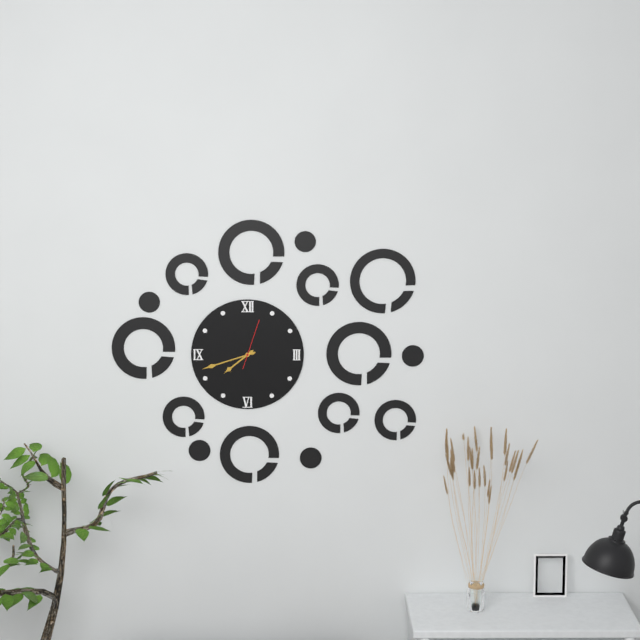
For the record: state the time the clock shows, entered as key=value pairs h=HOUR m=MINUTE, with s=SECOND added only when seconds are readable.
h=7 m=42
